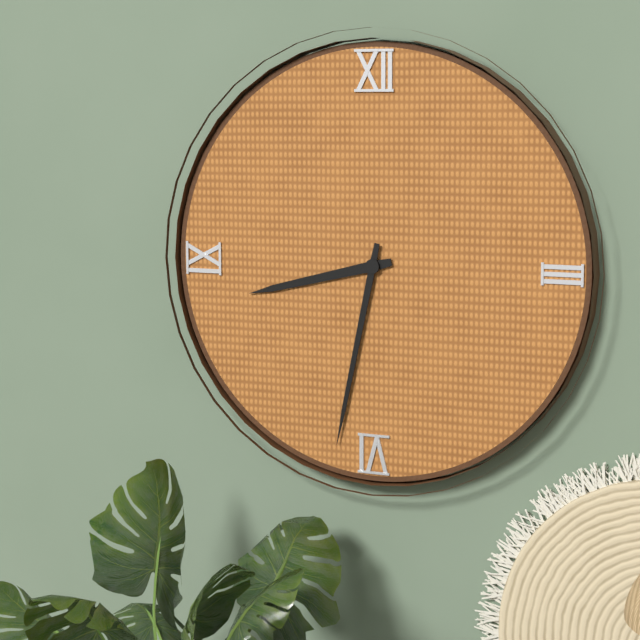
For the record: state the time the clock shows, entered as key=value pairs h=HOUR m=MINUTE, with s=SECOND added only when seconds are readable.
h=8 m=32
